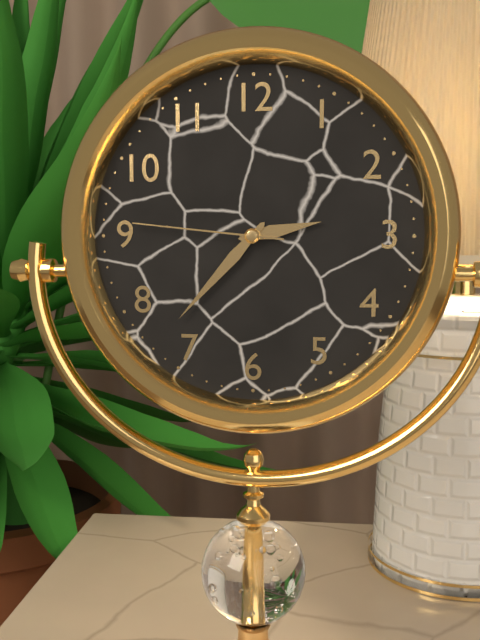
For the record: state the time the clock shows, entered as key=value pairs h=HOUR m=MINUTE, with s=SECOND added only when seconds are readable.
h=2 m=37 s=46
